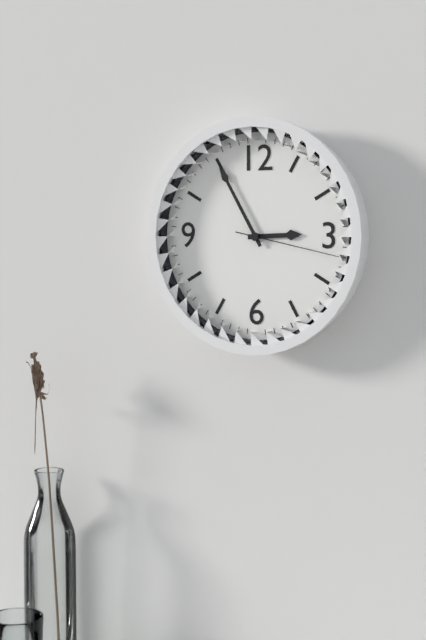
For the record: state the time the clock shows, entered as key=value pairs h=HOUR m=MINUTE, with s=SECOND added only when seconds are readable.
h=2 m=55 s=17
